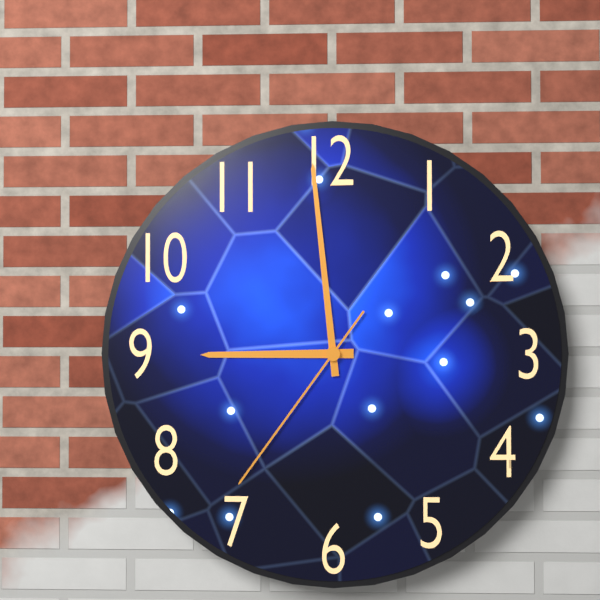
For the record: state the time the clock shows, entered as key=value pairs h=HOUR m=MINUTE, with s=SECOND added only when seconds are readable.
h=8 m=59 s=36
